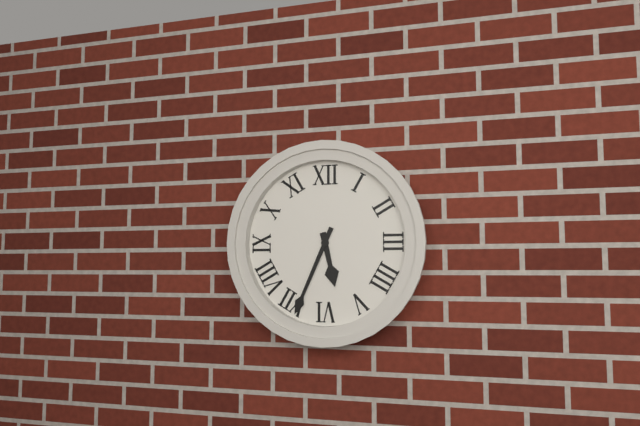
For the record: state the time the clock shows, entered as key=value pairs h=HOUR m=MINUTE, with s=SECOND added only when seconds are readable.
h=5 m=34
